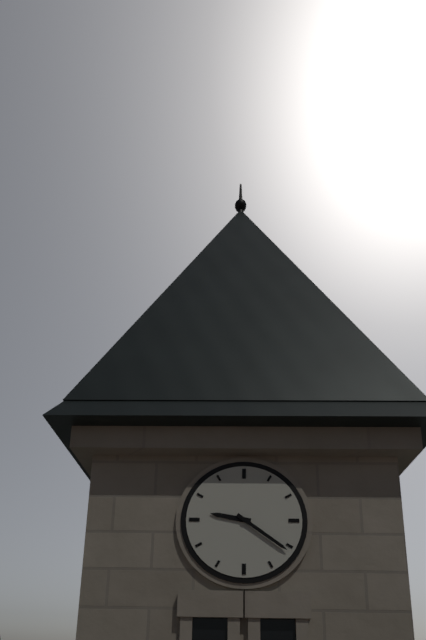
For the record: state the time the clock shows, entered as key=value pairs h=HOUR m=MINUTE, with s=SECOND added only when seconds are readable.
h=9 m=21
